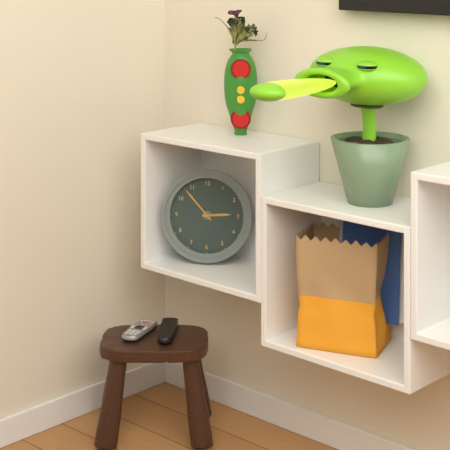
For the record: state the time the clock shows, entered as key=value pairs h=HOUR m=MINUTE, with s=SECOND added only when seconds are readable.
h=2 m=53
